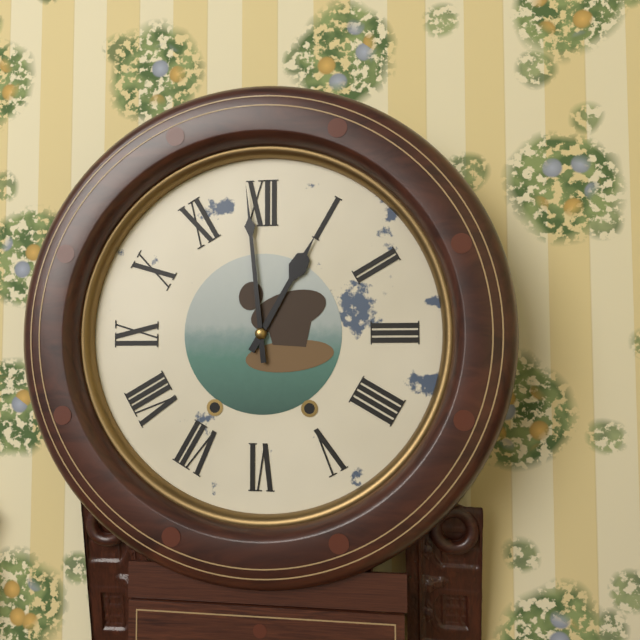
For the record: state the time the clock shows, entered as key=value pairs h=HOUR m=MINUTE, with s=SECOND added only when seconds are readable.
h=12 m=59
